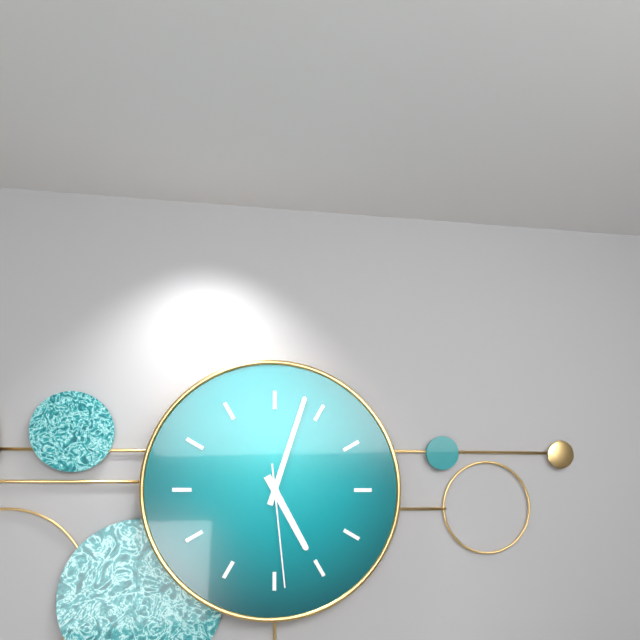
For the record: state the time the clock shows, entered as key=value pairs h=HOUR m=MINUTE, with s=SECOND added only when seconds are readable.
h=5 m=3 s=29
